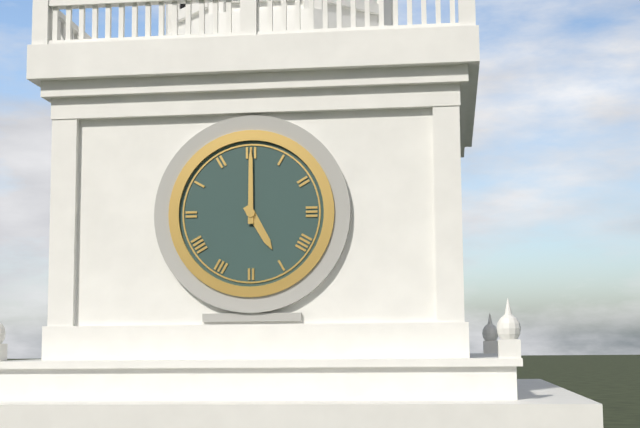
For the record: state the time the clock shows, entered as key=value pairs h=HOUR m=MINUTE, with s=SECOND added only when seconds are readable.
h=5 m=0
